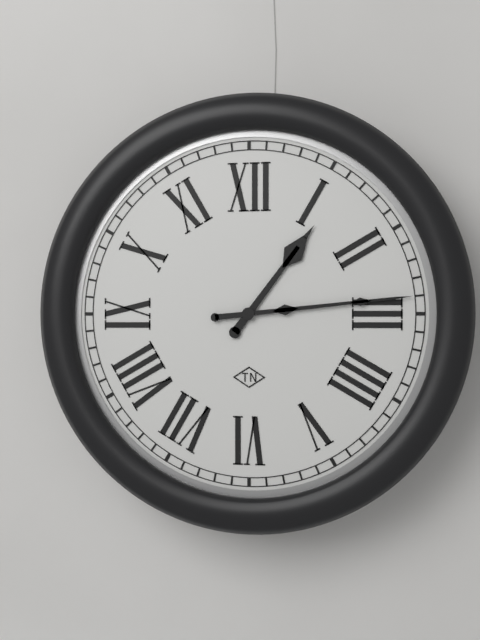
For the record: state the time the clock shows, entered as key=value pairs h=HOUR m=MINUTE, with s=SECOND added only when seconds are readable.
h=1 m=14
